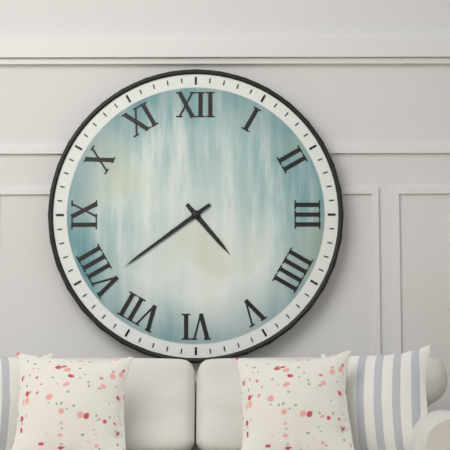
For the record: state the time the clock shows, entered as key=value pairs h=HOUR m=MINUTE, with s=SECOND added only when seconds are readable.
h=4 m=39
